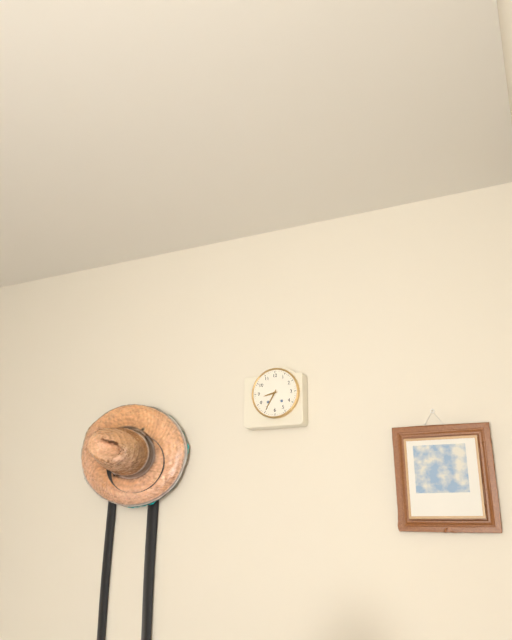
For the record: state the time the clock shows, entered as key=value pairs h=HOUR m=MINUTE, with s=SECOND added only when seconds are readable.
h=8 m=35
